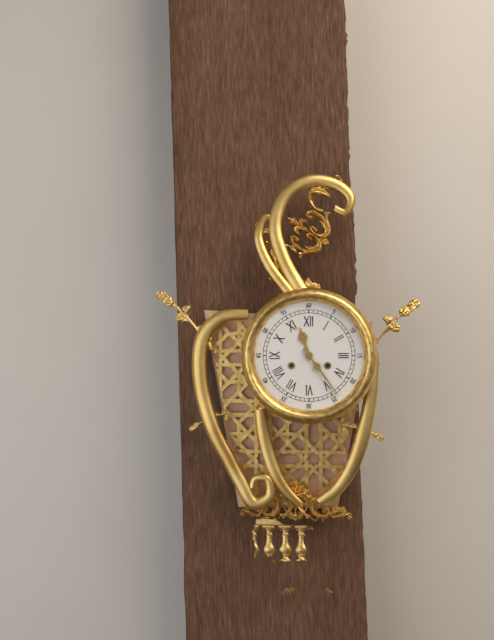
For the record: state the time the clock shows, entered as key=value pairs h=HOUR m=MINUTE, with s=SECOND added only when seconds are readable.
h=11 m=24
